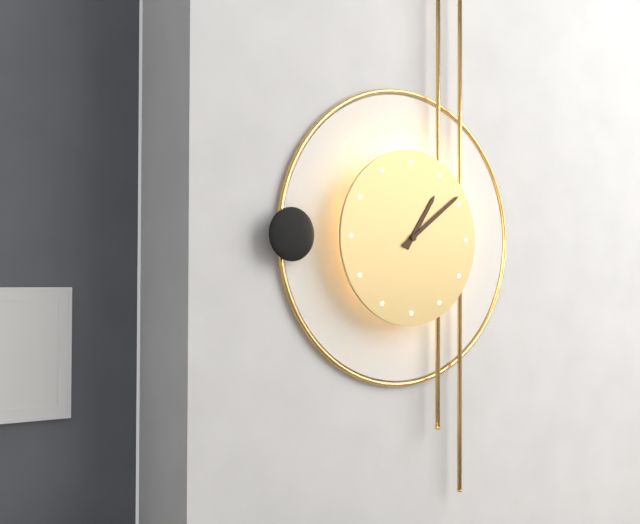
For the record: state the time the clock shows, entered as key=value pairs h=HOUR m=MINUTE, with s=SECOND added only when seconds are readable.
h=1 m=9
